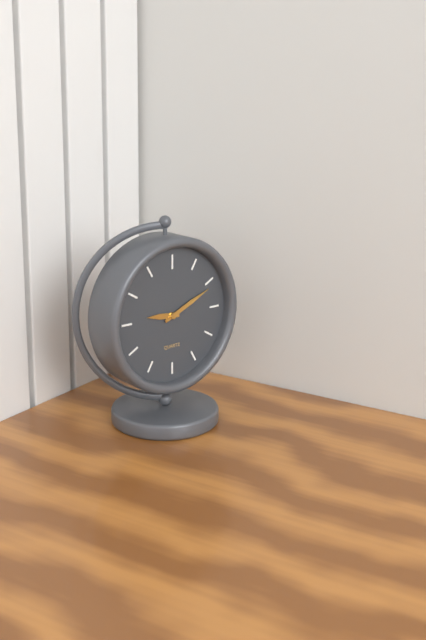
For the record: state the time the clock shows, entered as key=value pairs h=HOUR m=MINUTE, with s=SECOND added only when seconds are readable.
h=9 m=11
